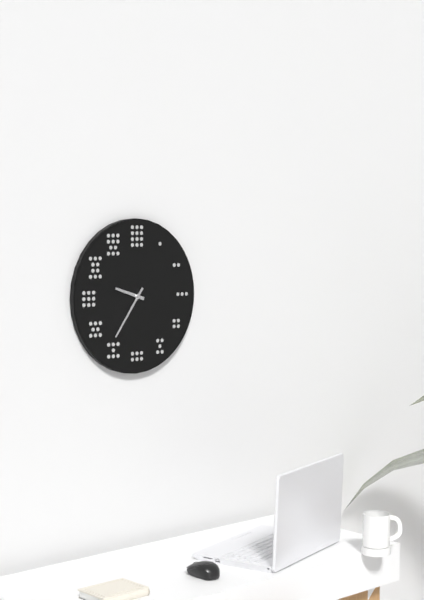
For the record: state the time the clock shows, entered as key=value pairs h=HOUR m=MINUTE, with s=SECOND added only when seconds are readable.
h=9 m=36
